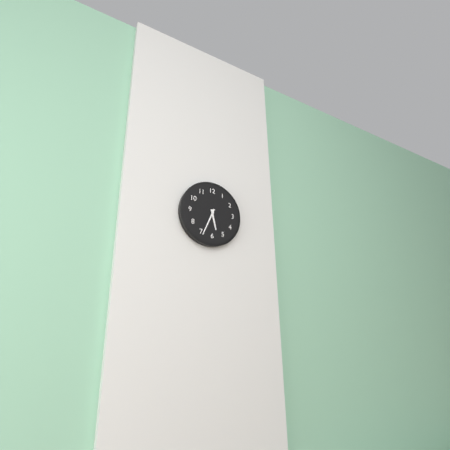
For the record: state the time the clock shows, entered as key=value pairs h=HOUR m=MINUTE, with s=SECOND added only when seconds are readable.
h=5 m=34
